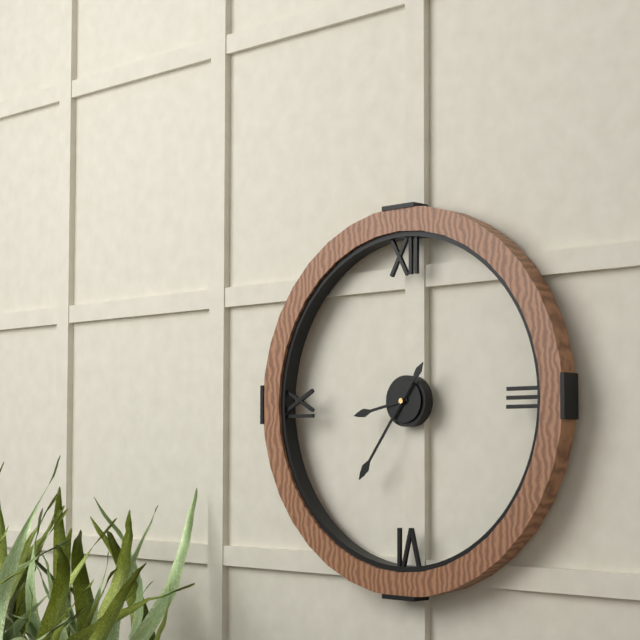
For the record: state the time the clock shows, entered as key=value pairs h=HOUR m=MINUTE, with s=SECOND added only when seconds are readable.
h=8 m=36
